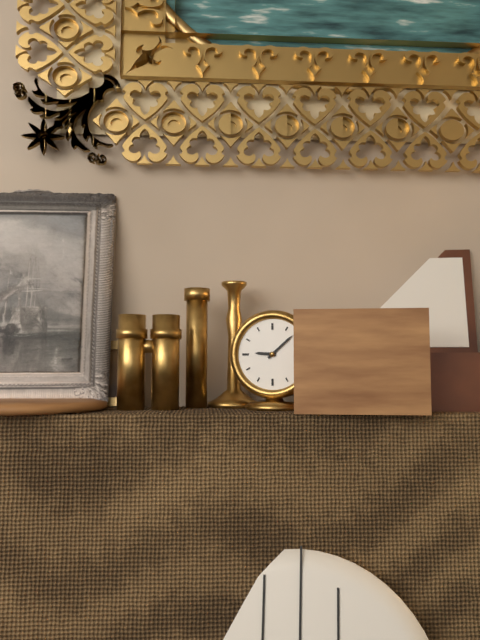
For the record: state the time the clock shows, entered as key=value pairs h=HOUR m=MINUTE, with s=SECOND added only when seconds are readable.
h=9 m=8
